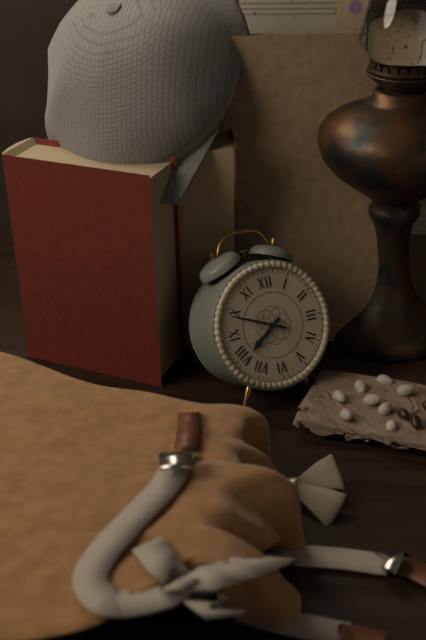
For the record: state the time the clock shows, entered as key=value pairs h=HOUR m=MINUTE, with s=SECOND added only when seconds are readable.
h=7 m=49
